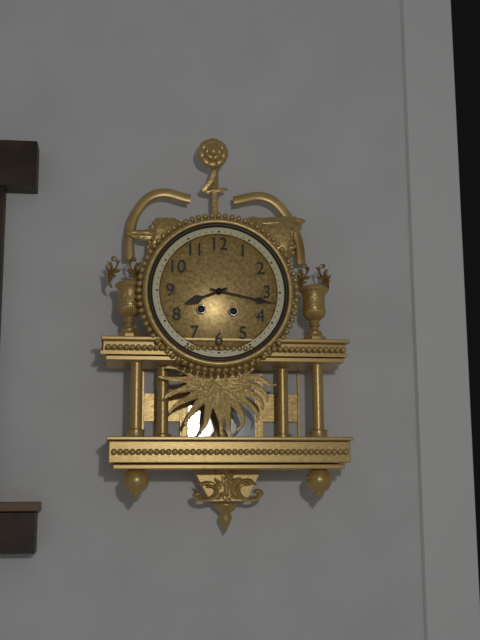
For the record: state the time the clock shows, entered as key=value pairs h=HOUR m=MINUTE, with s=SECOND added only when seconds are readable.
h=8 m=17
